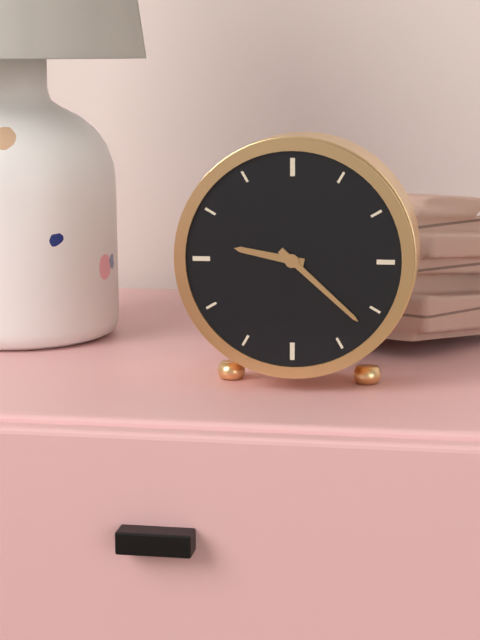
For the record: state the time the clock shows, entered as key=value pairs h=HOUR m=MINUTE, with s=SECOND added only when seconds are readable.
h=9 m=22
